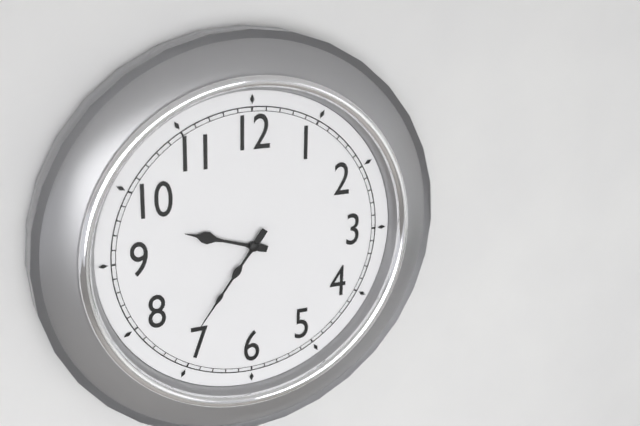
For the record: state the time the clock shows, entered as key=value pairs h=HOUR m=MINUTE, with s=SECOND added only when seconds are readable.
h=9 m=36
